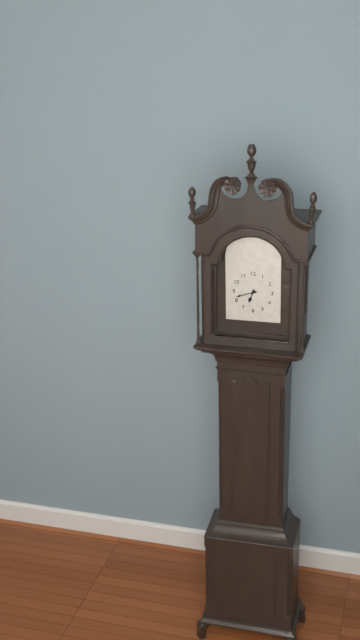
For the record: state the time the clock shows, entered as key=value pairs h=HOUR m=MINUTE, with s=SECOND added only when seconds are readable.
h=6 m=42
